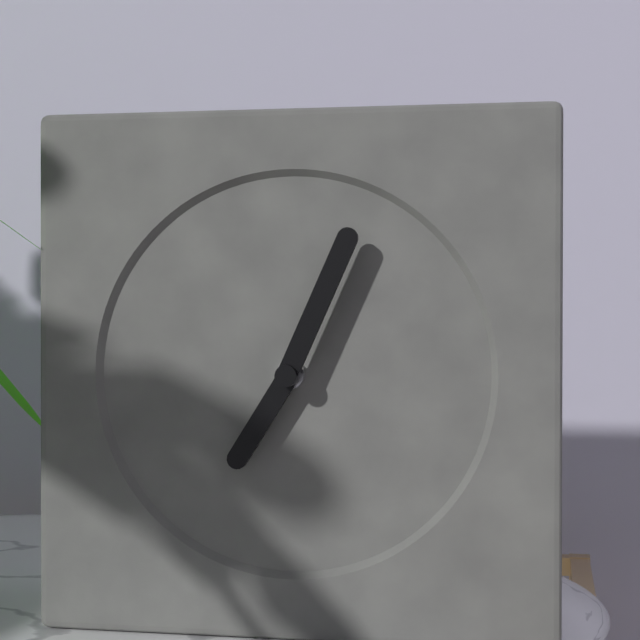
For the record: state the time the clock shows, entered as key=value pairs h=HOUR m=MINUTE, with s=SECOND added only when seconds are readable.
h=7 m=4
